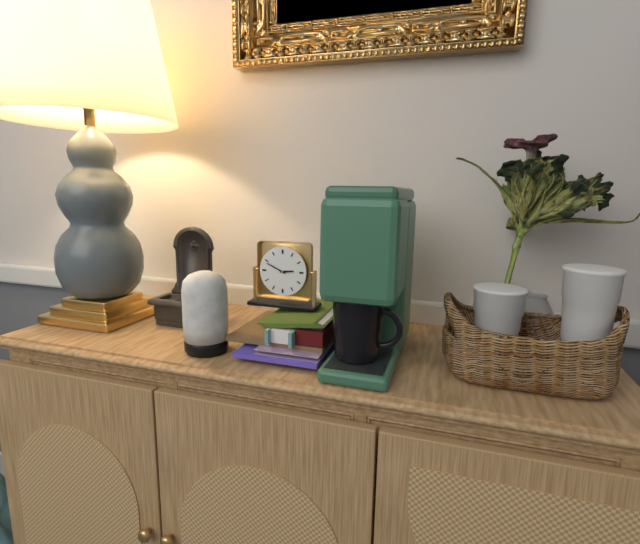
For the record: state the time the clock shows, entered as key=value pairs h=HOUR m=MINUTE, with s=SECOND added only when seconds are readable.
h=2 m=49
